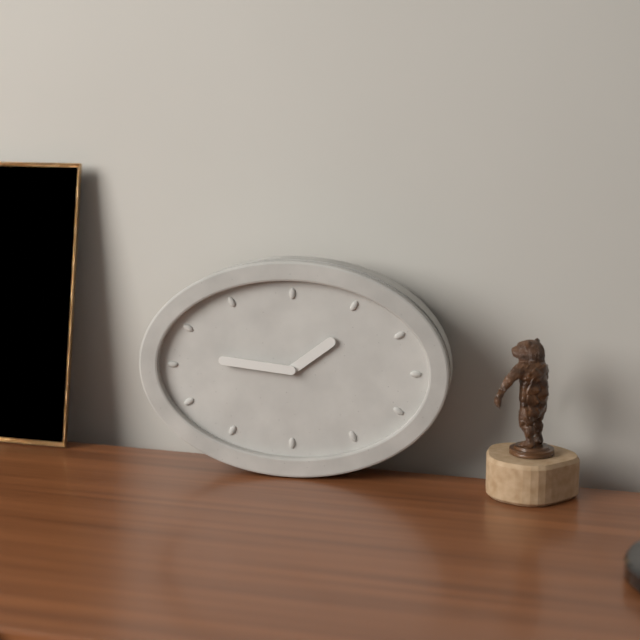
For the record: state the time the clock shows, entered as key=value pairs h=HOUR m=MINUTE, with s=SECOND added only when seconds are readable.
h=1 m=46
